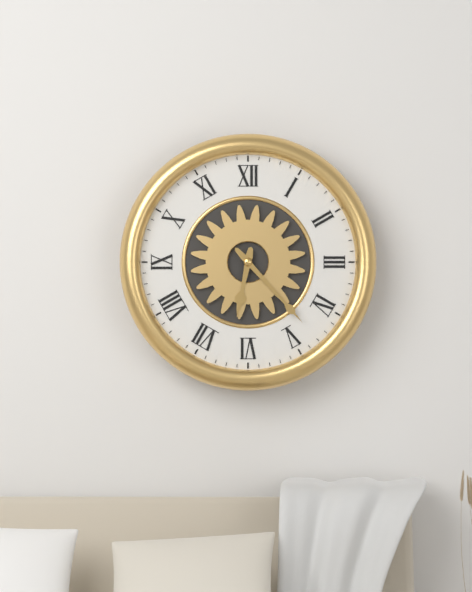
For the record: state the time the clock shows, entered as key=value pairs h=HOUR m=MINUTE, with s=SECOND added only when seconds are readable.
h=6 m=23
